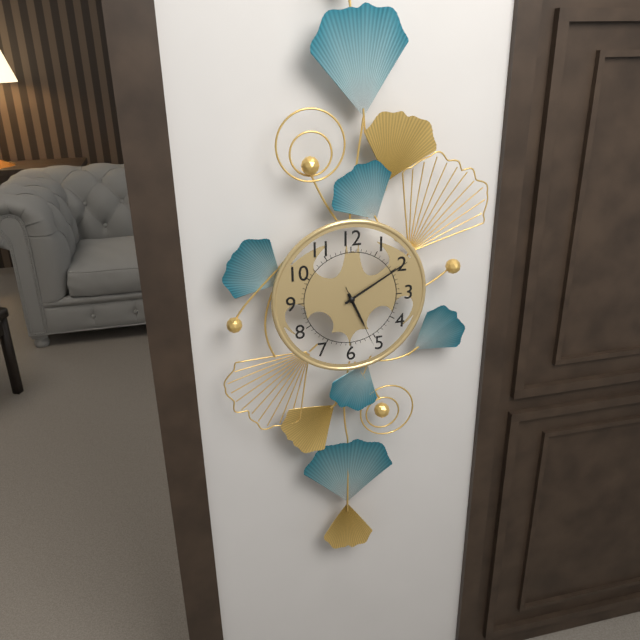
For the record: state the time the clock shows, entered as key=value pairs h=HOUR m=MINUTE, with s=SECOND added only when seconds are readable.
h=5 m=10 s=26
